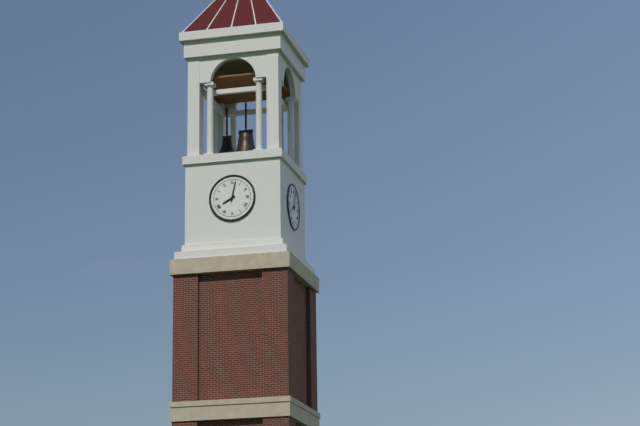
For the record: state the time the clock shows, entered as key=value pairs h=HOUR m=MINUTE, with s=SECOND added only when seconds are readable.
h=8 m=2
